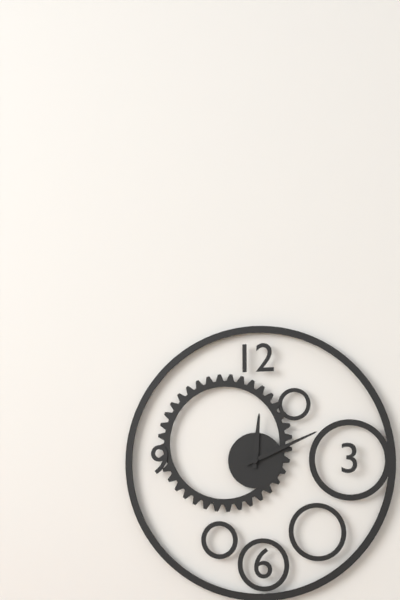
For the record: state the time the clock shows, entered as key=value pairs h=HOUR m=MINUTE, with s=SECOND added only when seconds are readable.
h=12 m=11
